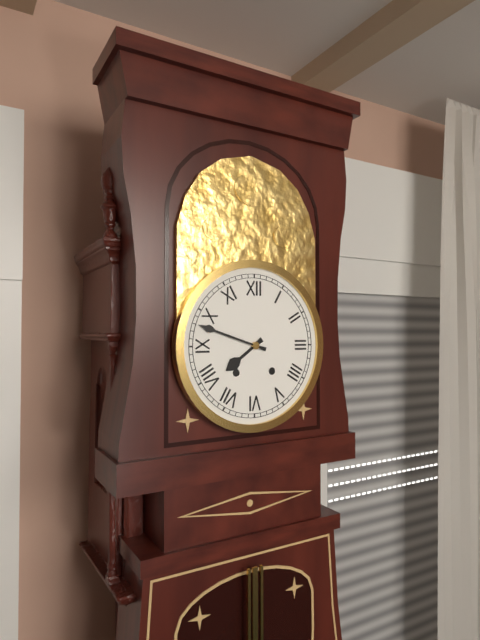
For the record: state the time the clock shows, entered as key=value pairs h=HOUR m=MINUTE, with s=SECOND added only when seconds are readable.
h=7 m=48
